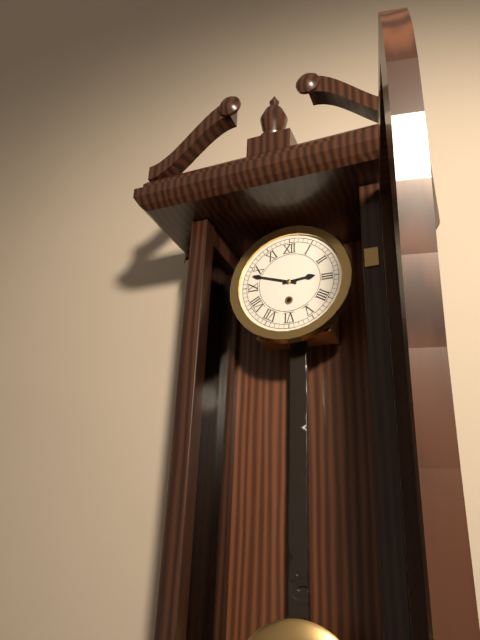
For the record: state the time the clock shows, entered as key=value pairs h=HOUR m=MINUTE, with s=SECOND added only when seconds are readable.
h=2 m=48
